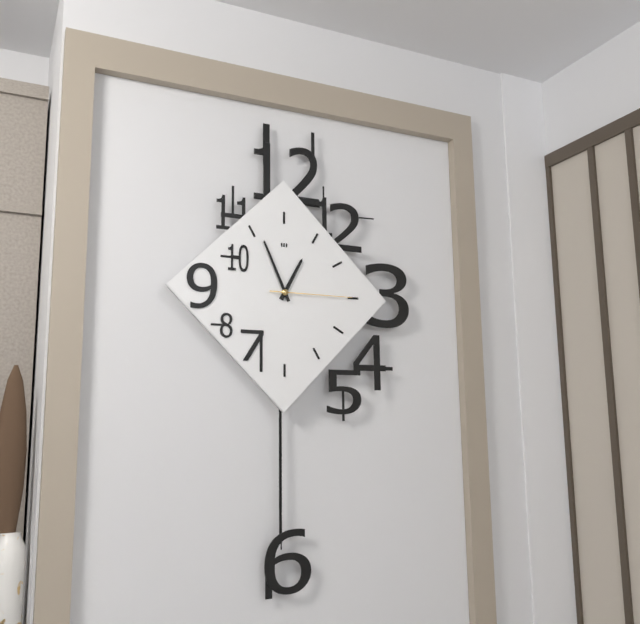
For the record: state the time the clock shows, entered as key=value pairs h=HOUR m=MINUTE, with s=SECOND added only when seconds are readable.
h=12 m=56 s=15
